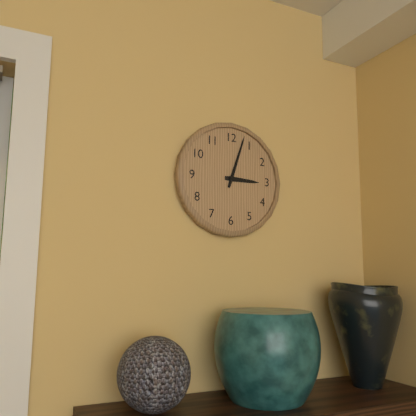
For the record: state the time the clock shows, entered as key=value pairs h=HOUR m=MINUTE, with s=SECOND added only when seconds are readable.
h=3 m=3
